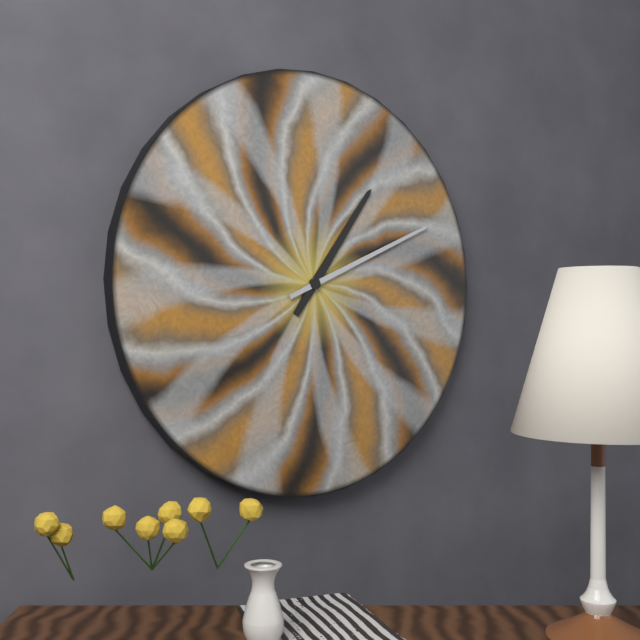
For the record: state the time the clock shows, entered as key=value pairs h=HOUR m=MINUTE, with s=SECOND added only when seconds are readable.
h=1 m=11
